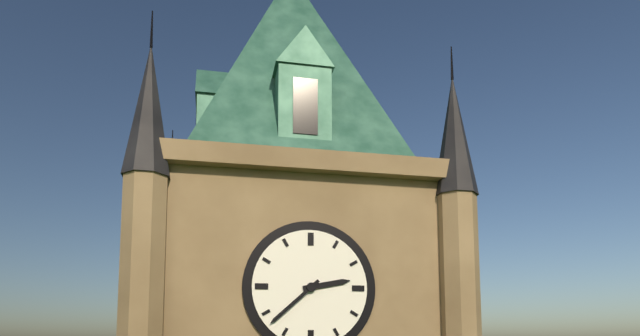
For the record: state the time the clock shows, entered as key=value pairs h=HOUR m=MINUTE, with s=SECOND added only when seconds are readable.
h=2 m=38
